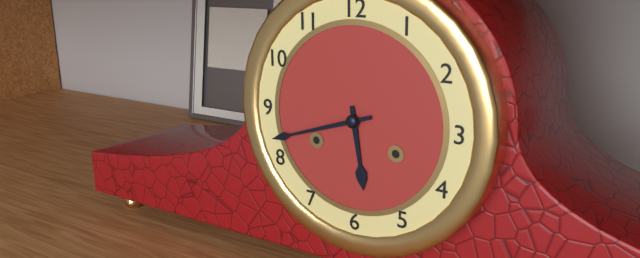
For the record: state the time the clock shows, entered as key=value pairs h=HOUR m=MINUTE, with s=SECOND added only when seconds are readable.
h=5 m=42
